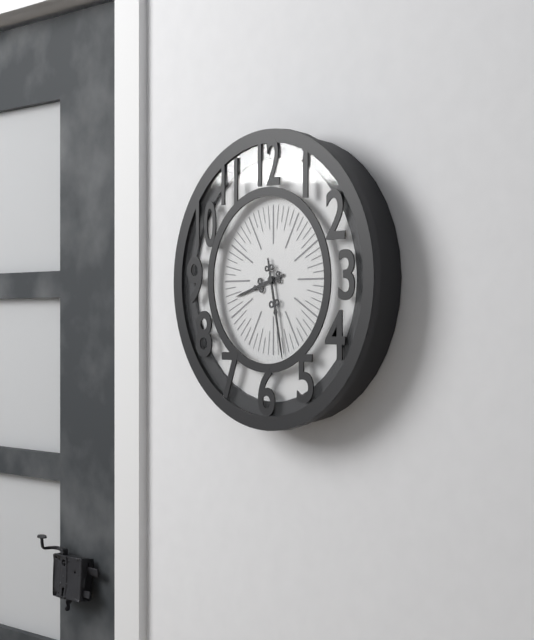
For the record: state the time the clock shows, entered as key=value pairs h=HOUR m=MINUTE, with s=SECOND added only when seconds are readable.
h=8 m=28
